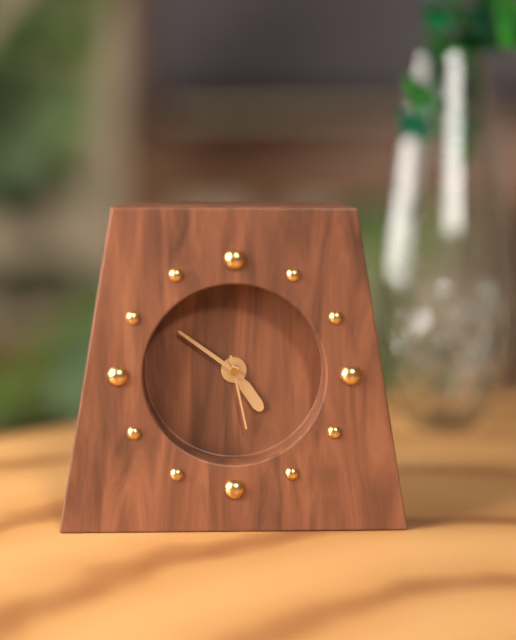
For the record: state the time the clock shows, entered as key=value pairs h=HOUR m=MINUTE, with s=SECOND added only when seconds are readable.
h=4 m=51 s=28
